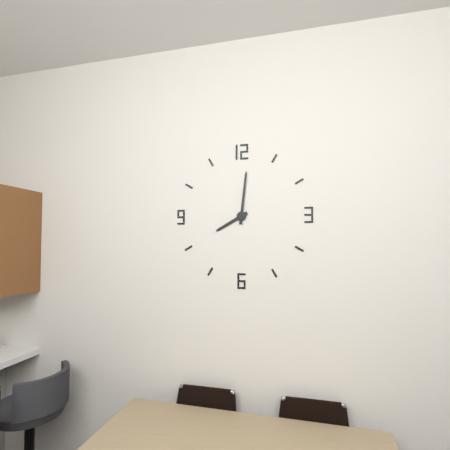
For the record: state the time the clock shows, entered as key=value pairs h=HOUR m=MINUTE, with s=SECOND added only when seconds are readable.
h=8 m=1
